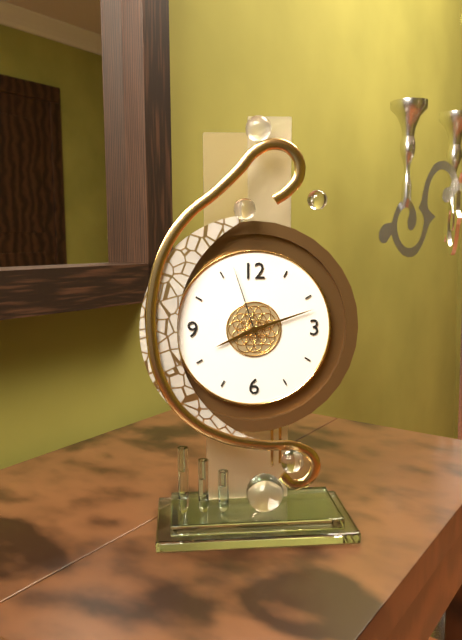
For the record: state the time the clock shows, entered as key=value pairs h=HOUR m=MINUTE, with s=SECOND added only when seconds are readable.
h=8 m=12 s=57
